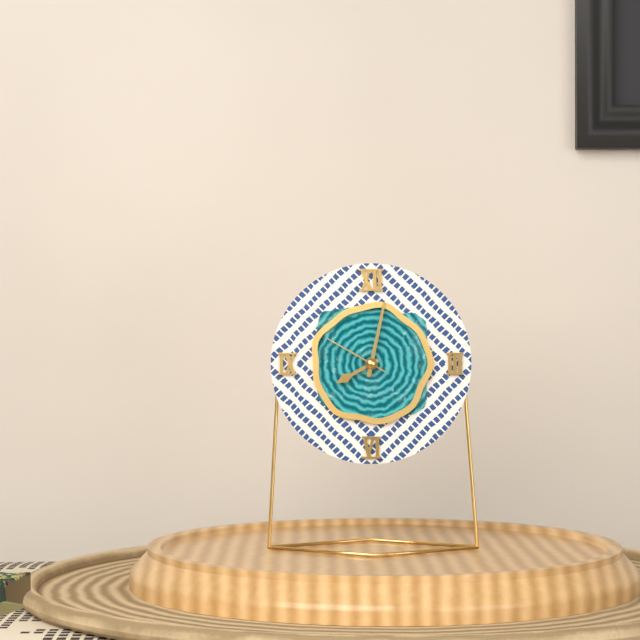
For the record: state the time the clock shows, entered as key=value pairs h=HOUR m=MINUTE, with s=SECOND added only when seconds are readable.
h=8 m=2 s=50
